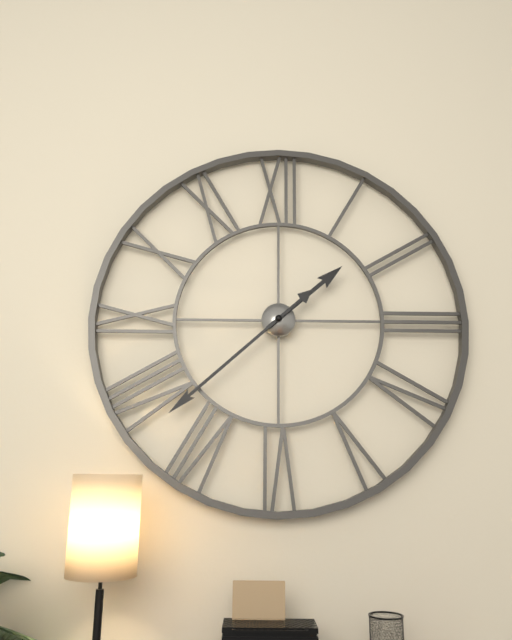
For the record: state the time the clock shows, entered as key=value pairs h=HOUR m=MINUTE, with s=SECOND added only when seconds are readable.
h=1 m=38
